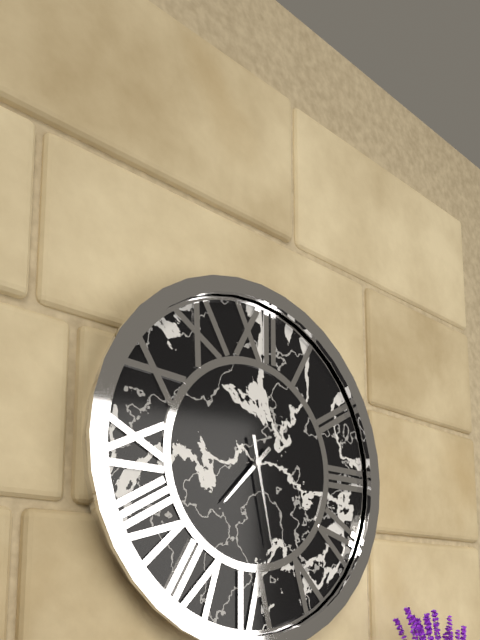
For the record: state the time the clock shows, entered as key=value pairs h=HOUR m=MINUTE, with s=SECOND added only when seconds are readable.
h=7 m=28
